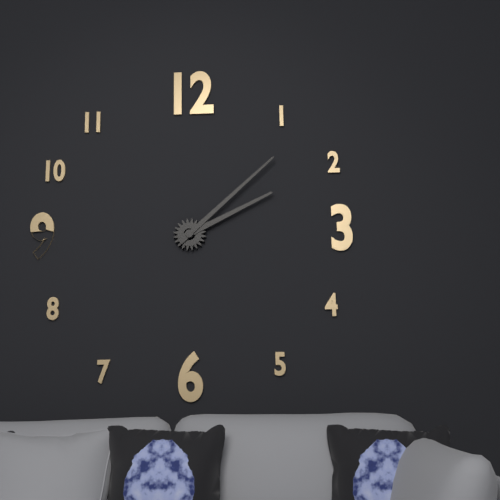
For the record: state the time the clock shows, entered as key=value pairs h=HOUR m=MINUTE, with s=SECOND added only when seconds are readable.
h=2 m=8
